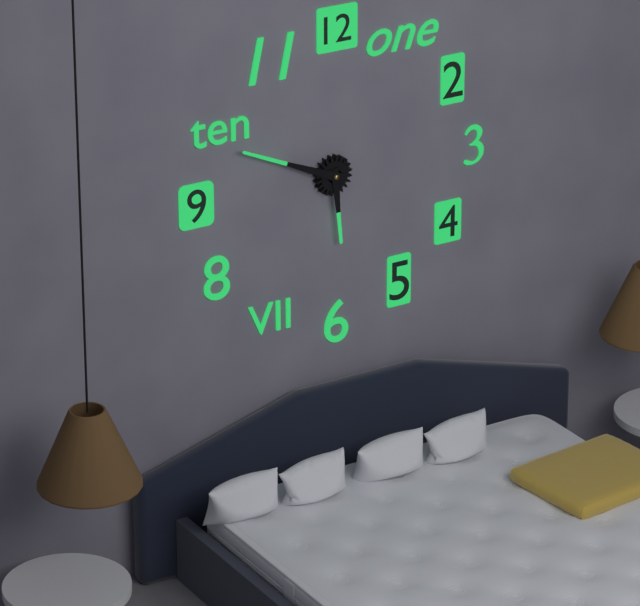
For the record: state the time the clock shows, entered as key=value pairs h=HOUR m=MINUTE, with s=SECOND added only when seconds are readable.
h=5 m=49
